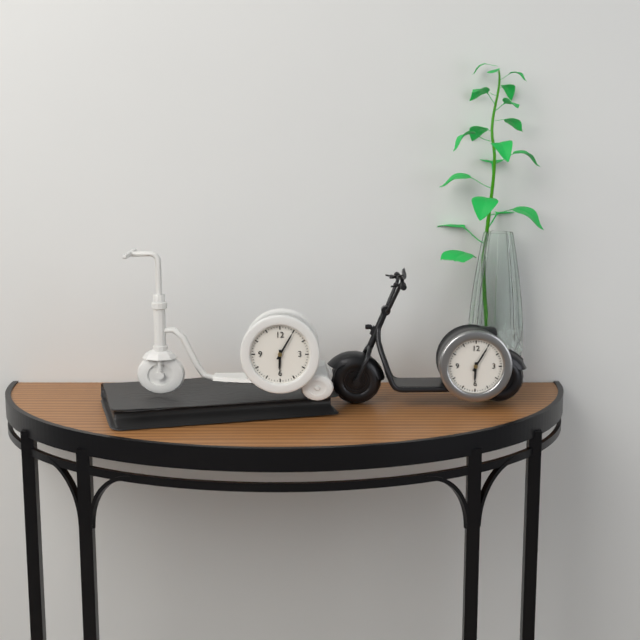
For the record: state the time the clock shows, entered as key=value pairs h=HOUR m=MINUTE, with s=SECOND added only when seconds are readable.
h=6 m=5
